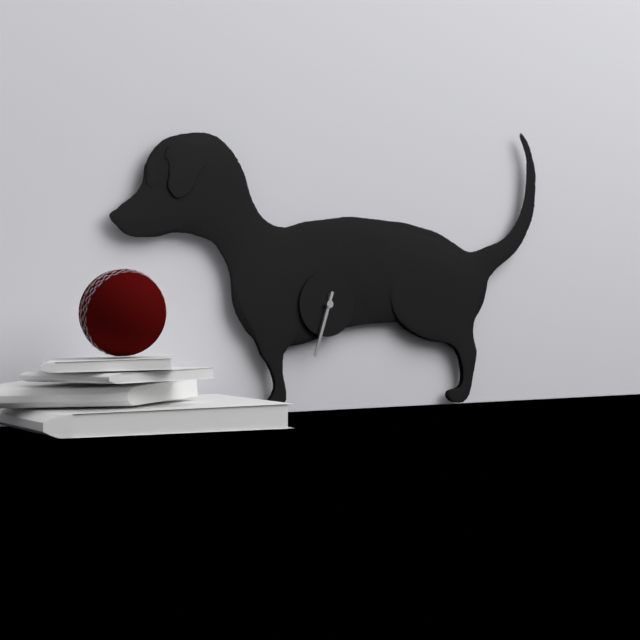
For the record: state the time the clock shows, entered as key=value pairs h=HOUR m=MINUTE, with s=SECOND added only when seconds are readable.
h=6 m=33
